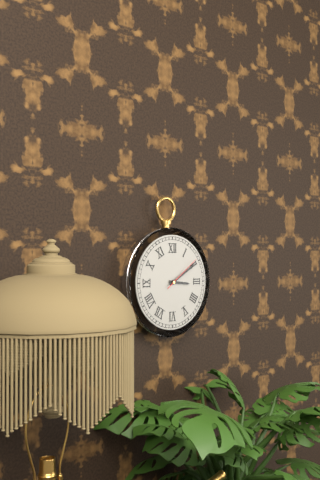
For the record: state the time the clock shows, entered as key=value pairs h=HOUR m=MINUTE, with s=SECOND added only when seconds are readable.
h=3 m=10
